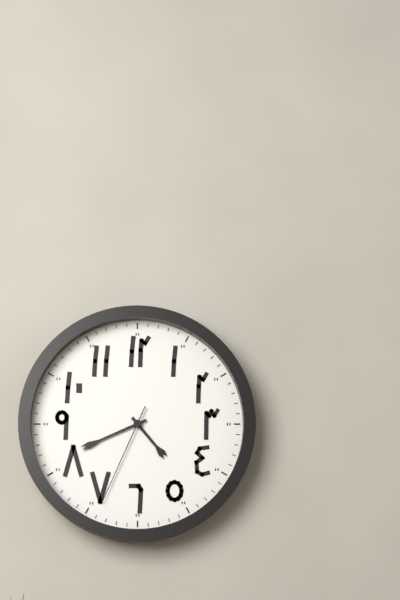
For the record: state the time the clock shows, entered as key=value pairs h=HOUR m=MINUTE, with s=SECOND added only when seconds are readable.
h=4 m=41 s=34
